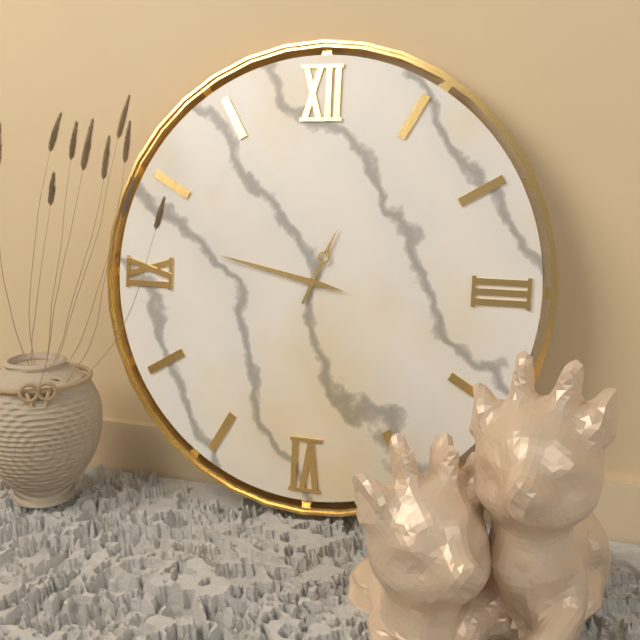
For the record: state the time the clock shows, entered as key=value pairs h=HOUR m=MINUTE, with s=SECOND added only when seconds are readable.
h=12 m=47
